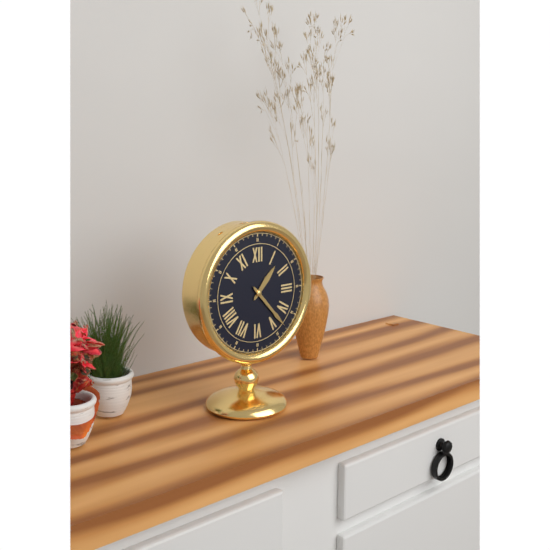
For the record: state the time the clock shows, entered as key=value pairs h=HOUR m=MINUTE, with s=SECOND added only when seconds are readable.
h=1 m=23
